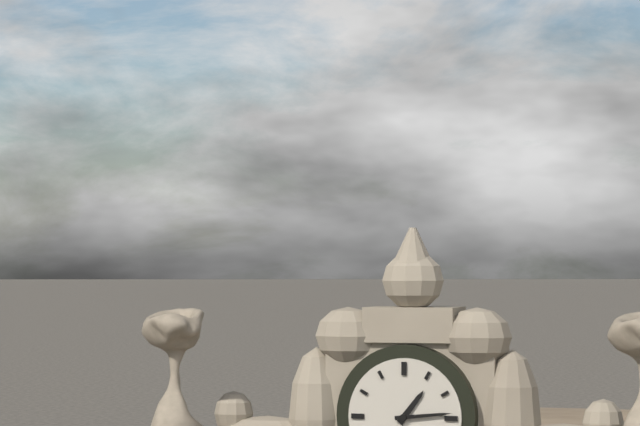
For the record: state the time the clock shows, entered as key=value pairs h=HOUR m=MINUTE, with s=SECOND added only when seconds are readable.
h=1 m=14
